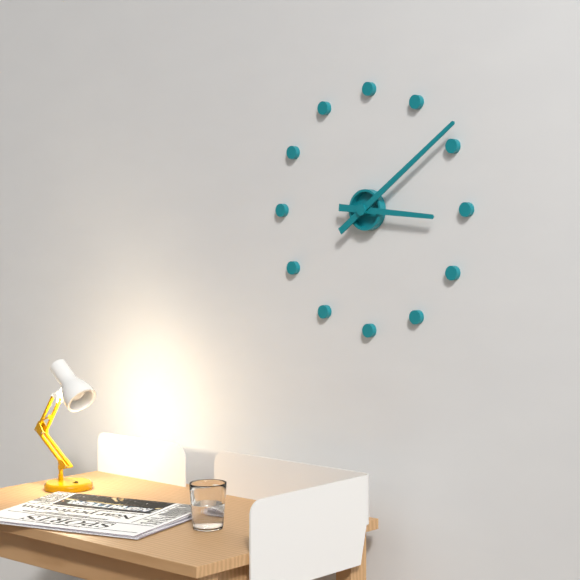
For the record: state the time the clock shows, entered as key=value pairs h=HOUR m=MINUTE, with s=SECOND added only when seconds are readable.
h=3 m=9
